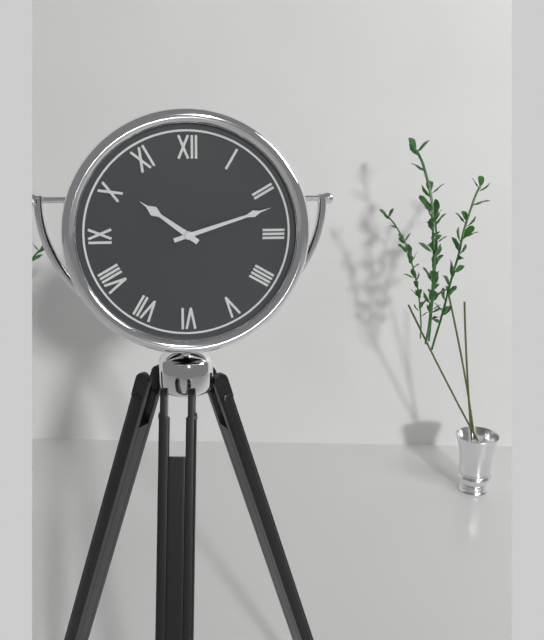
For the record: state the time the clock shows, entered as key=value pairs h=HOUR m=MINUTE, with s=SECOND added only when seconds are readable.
h=10 m=12
